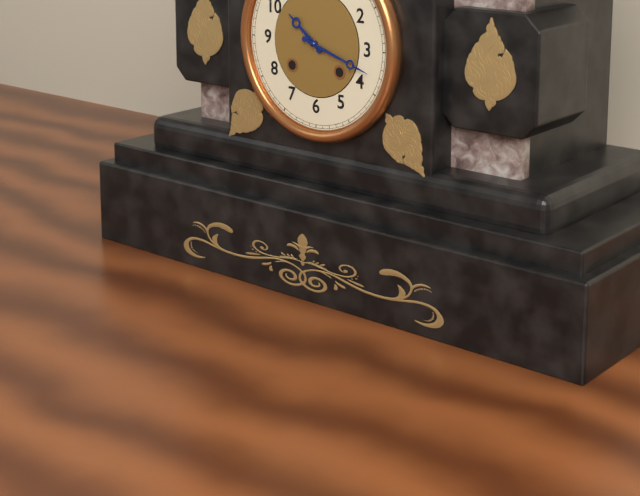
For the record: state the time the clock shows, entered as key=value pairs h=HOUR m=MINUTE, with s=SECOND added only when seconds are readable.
h=10 m=18
